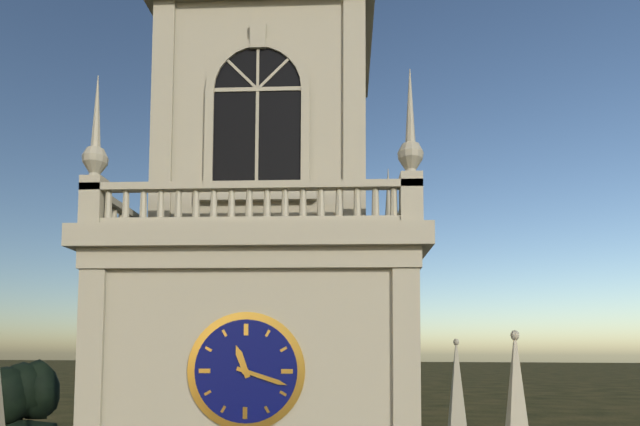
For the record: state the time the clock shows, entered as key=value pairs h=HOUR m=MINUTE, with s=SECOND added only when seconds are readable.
h=11 m=18
